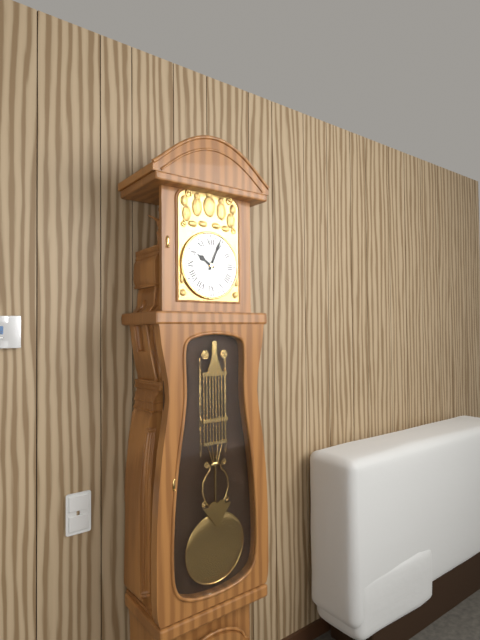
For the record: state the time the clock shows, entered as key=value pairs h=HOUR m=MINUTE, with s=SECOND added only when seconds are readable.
h=10 m=4
